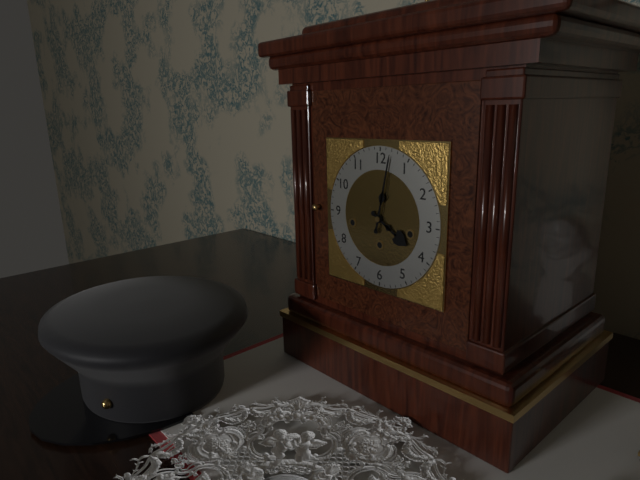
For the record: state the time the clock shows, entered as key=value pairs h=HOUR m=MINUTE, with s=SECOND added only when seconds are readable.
h=4 m=2
